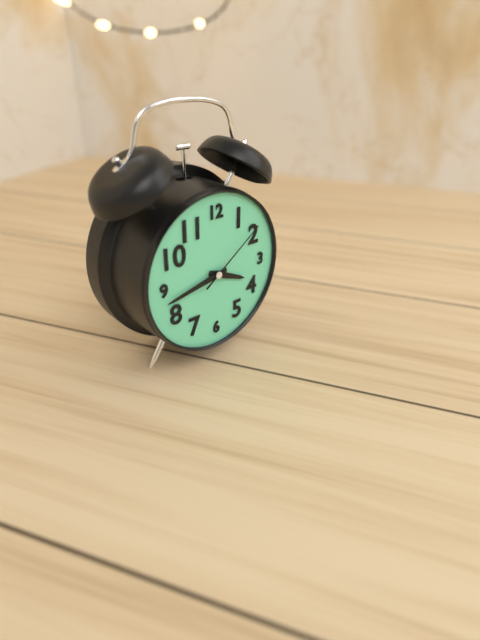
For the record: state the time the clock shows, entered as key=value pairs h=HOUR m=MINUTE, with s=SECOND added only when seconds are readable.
h=3 m=43 s=9
